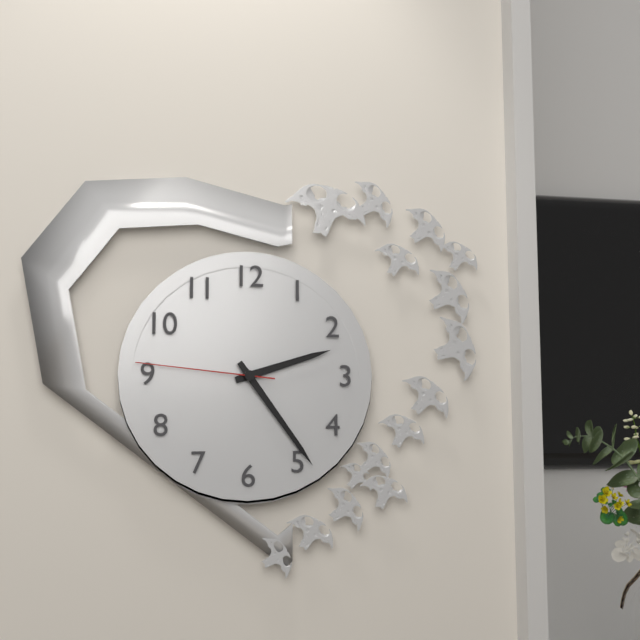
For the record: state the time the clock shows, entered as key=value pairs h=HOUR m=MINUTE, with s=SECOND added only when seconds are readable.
h=2 m=24 s=46
